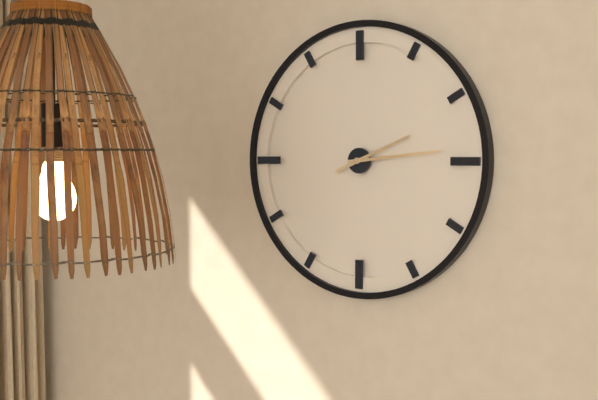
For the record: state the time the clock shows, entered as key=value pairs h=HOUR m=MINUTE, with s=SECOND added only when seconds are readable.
h=2 m=14
